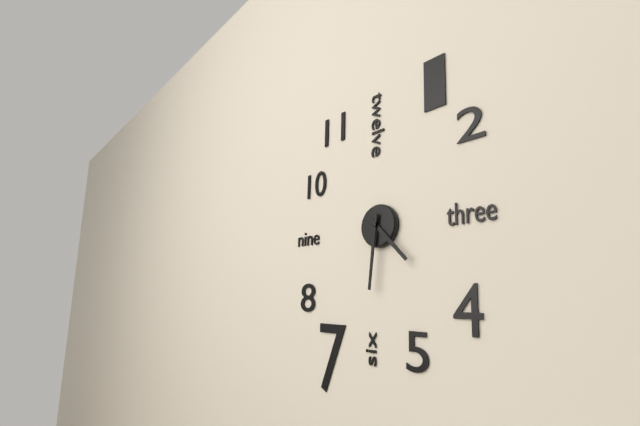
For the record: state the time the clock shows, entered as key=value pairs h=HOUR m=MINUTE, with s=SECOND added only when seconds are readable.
h=4 m=31
